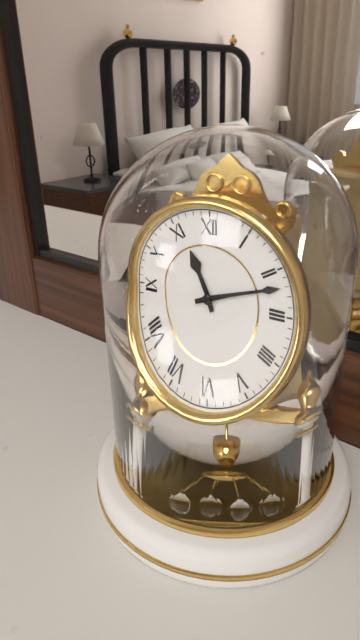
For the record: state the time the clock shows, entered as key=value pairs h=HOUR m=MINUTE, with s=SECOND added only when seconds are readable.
h=11 m=12
